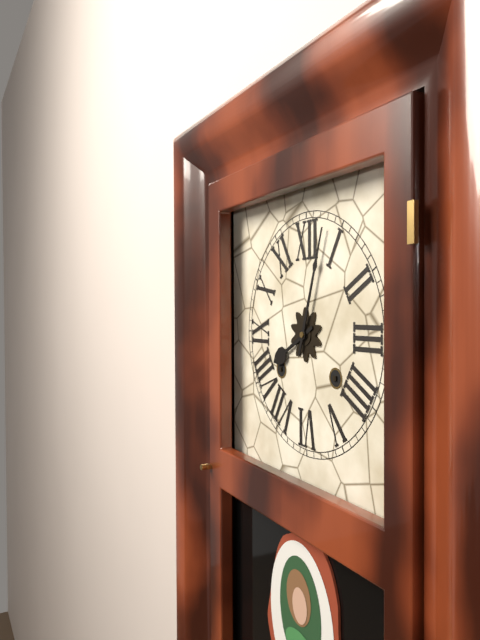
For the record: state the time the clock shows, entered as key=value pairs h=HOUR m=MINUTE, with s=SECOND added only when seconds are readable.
h=8 m=3
